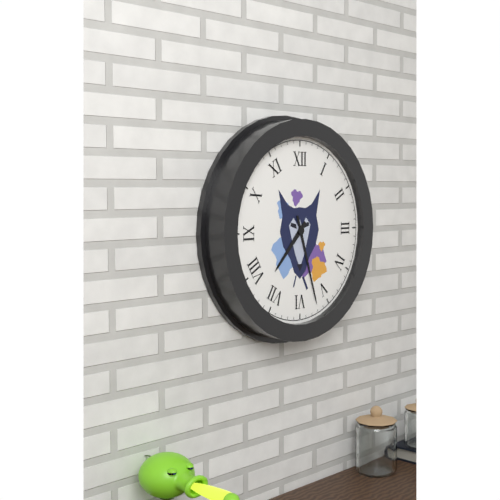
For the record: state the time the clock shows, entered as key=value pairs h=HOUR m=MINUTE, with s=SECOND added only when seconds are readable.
h=7 m=27
